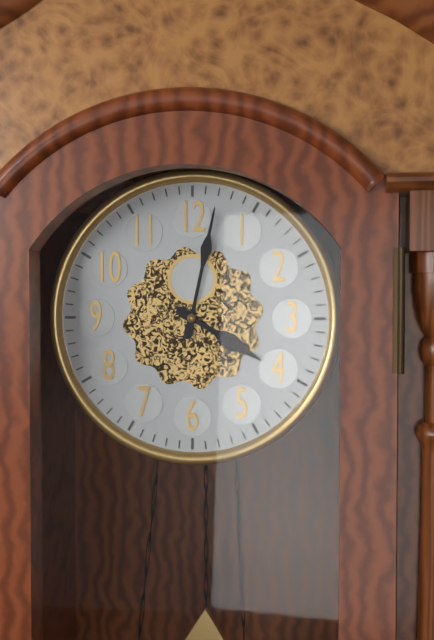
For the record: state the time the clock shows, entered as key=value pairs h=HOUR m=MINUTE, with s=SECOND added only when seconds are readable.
h=4 m=2
